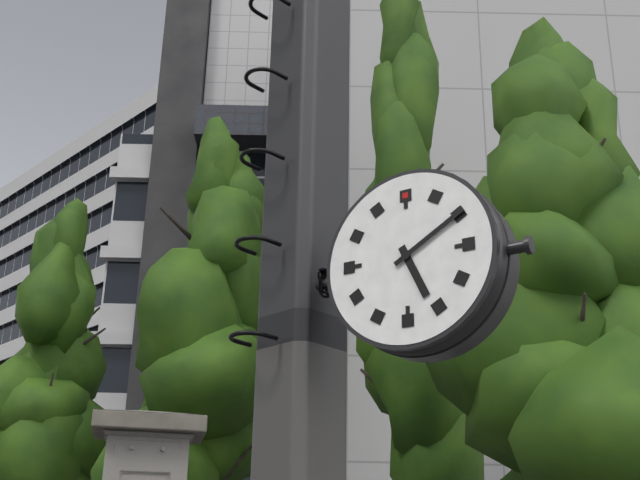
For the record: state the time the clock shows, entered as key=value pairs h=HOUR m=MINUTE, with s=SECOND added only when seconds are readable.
h=5 m=10
